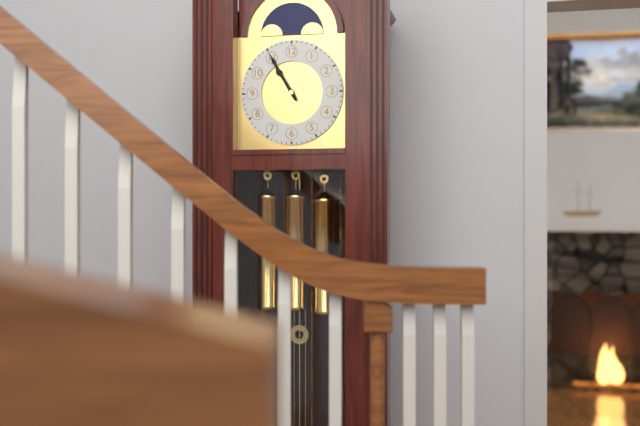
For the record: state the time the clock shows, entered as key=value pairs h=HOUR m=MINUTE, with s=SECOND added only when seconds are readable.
h=10 m=55
